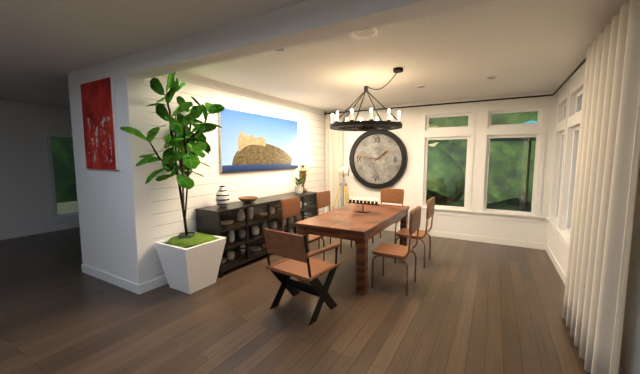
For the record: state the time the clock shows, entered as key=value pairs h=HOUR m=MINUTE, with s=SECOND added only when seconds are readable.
h=1 m=47
